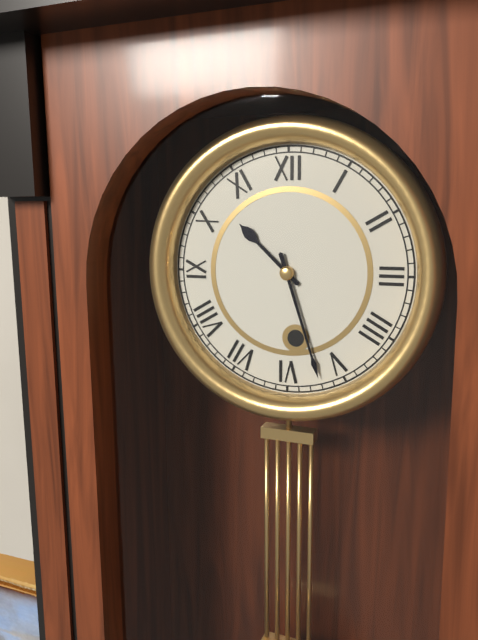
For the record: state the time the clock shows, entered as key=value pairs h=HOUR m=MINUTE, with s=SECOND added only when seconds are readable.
h=10 m=27
